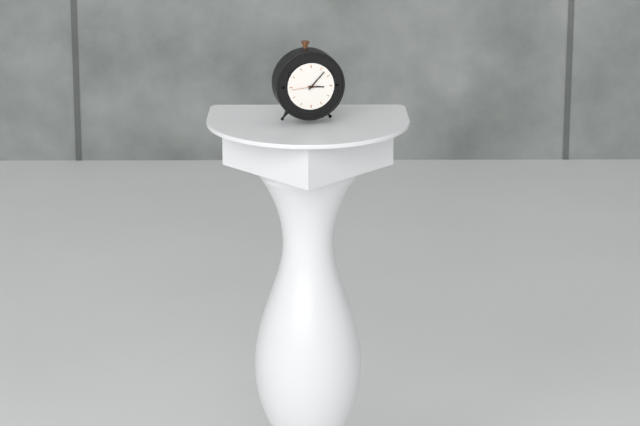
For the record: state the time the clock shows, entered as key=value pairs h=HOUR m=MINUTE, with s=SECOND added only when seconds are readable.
h=3 m=7
